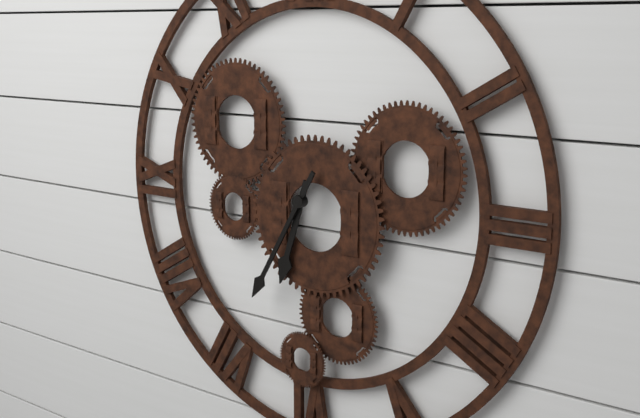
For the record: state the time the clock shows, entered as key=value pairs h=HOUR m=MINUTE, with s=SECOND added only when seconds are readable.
h=6 m=35
